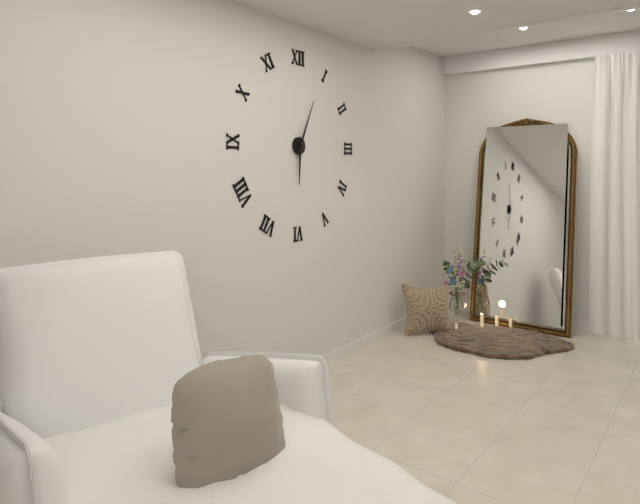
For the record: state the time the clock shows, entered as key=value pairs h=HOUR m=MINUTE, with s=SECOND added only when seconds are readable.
h=6 m=4
